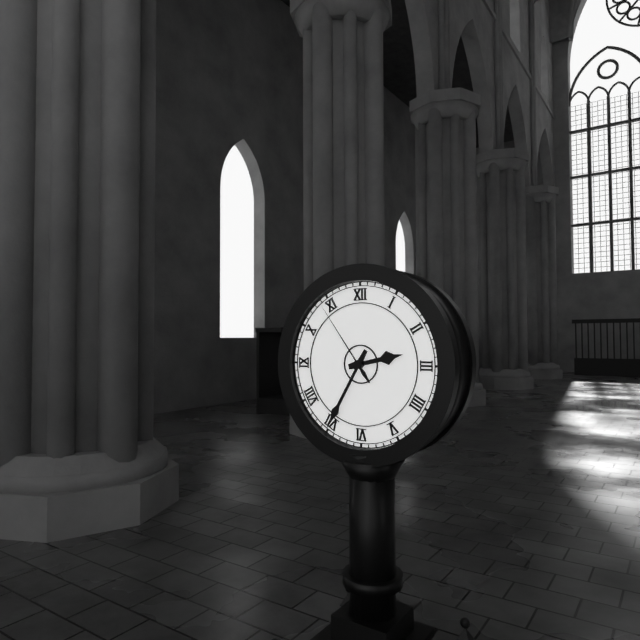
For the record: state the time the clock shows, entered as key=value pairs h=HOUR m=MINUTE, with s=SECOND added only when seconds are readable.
h=2 m=35 s=54
